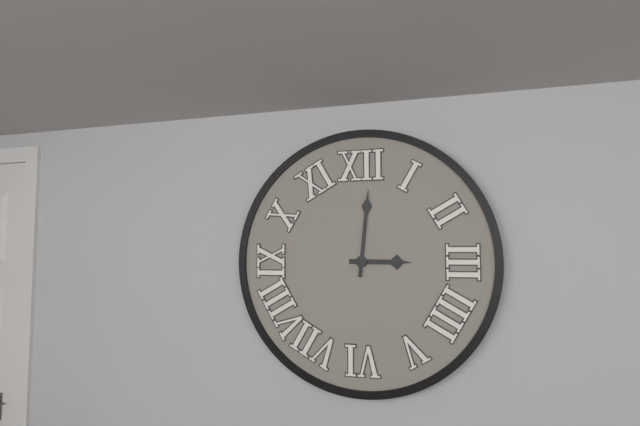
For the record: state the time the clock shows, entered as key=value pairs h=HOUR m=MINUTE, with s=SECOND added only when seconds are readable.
h=3 m=1
